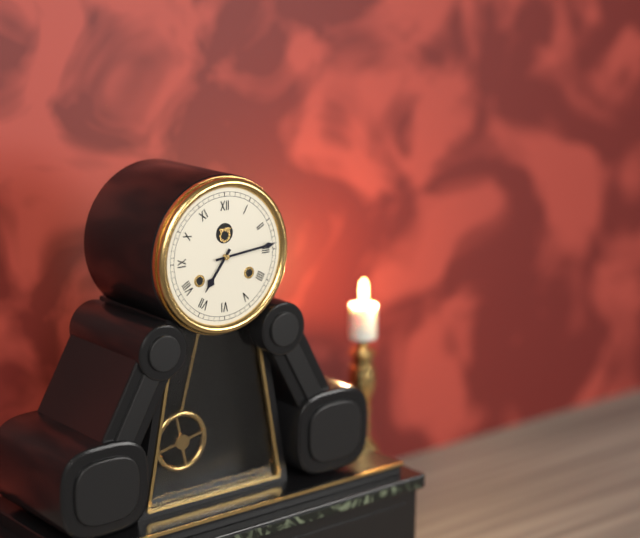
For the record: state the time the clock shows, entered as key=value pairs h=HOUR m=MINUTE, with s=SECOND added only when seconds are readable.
h=7 m=14
